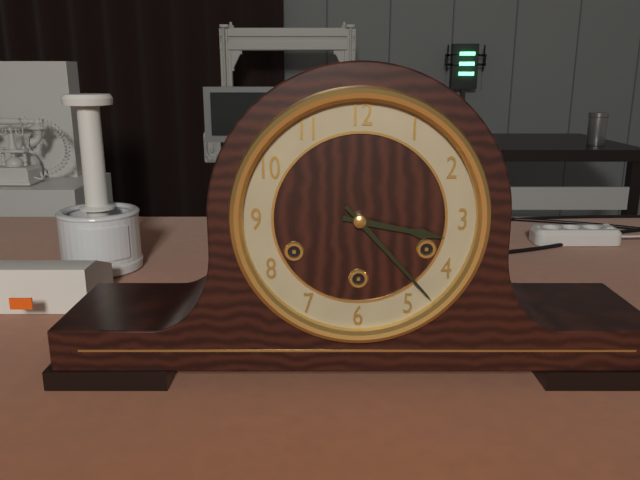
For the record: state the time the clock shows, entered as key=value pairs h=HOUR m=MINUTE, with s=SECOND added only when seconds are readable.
h=3 m=23
